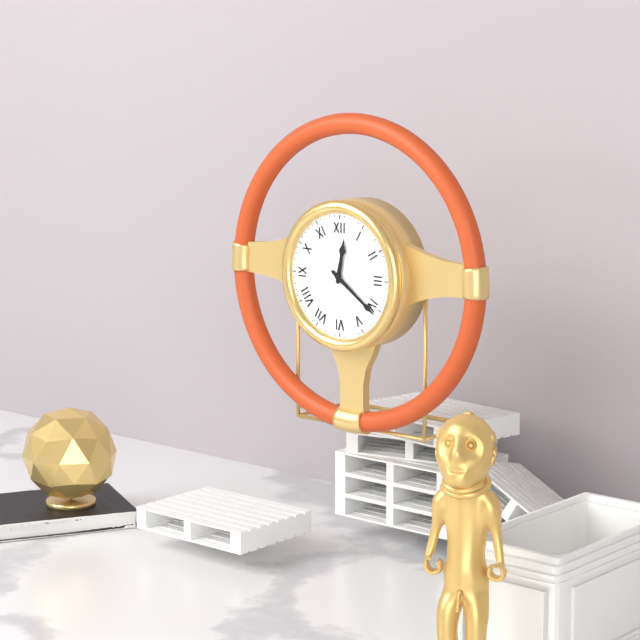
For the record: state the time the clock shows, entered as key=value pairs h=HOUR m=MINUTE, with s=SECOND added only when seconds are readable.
h=12 m=21
